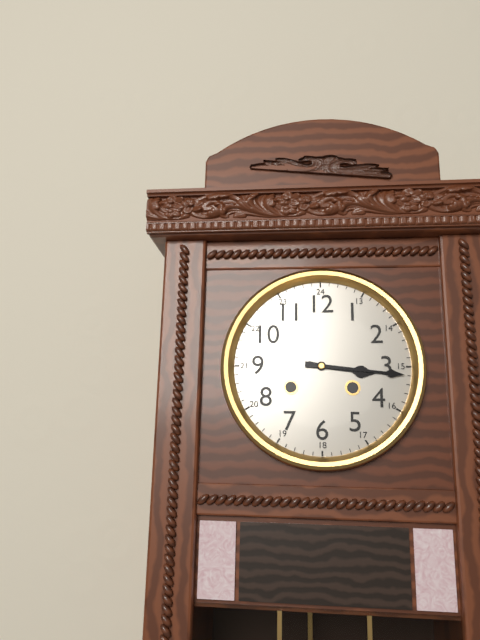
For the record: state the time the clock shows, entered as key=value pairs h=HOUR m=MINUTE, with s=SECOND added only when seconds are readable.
h=3 m=16
